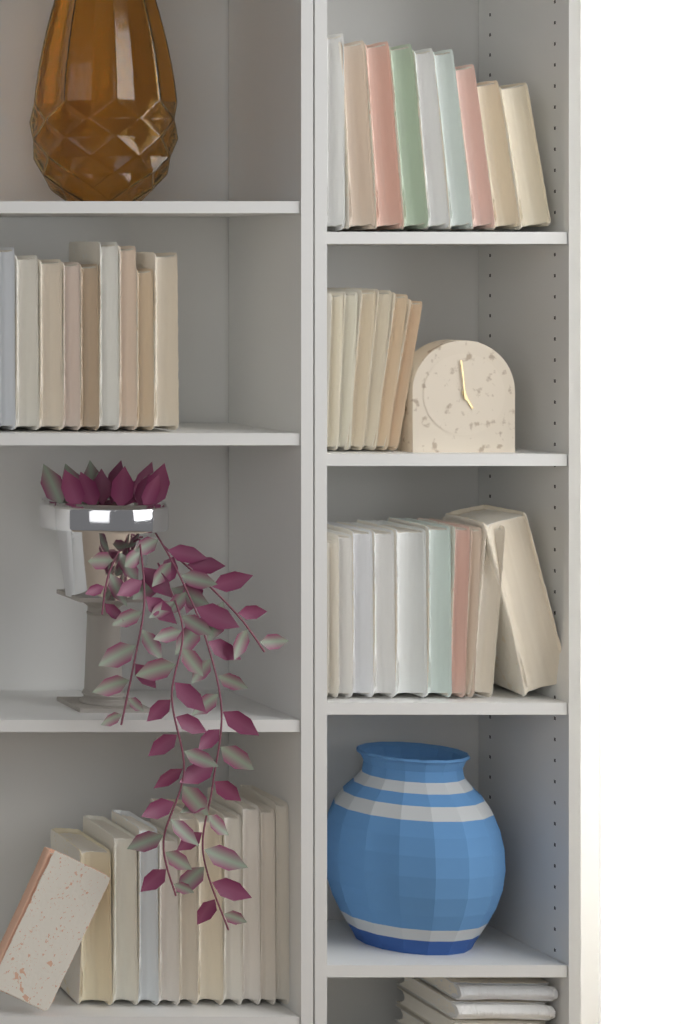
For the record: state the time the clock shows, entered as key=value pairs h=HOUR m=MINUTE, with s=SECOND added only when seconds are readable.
h=4 m=59
